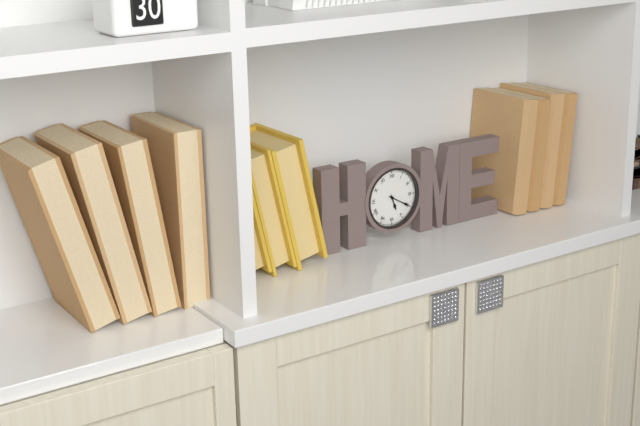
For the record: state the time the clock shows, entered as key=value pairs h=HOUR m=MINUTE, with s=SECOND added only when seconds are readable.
h=5 m=20
